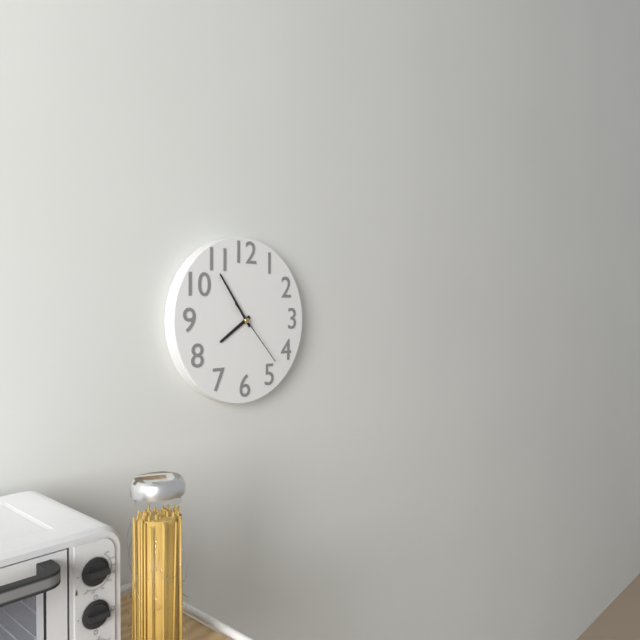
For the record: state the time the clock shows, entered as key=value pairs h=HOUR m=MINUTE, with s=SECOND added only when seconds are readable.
h=7 m=54 s=23
